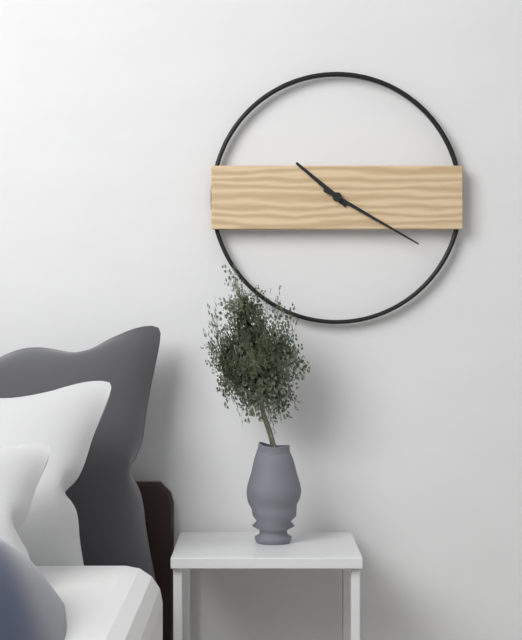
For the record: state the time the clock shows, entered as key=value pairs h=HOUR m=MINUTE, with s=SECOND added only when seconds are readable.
h=10 m=20
